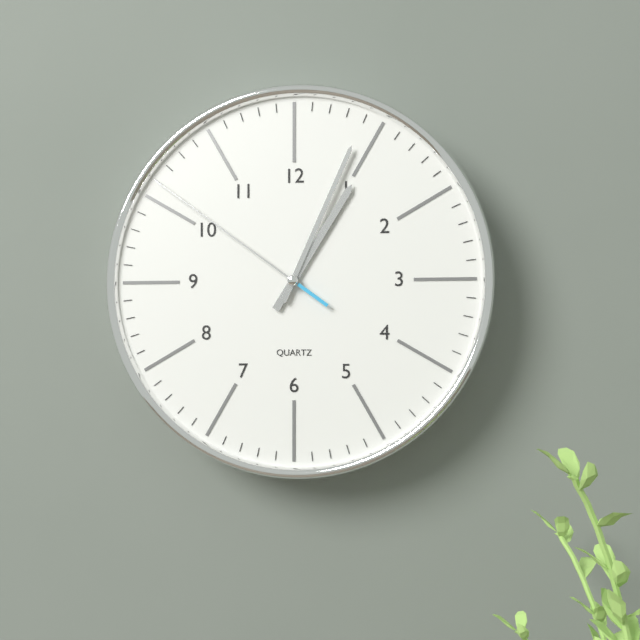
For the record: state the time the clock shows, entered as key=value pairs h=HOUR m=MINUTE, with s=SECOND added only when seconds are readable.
h=1 m=4 s=51
